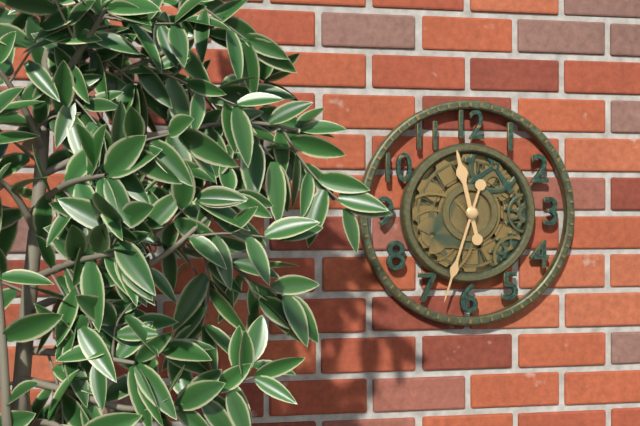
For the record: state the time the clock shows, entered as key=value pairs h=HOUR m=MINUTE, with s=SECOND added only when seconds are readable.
h=11 m=33
